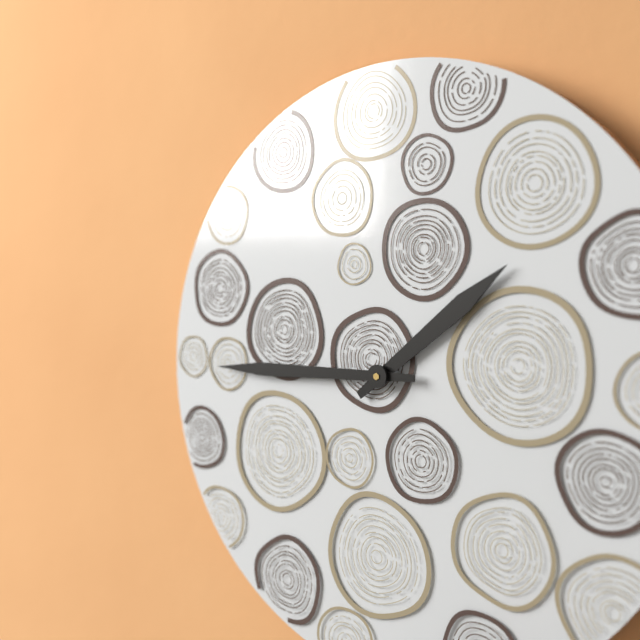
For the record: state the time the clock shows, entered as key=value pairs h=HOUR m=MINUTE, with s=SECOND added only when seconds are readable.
h=1 m=45
